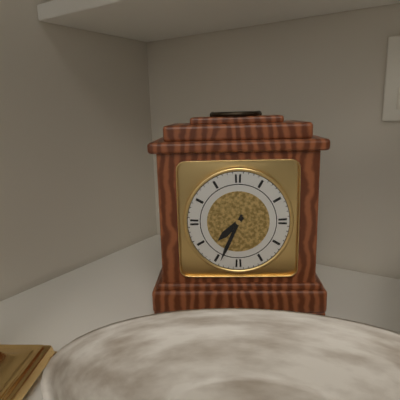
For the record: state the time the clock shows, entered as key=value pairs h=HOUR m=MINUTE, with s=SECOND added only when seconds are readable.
h=7 m=34
